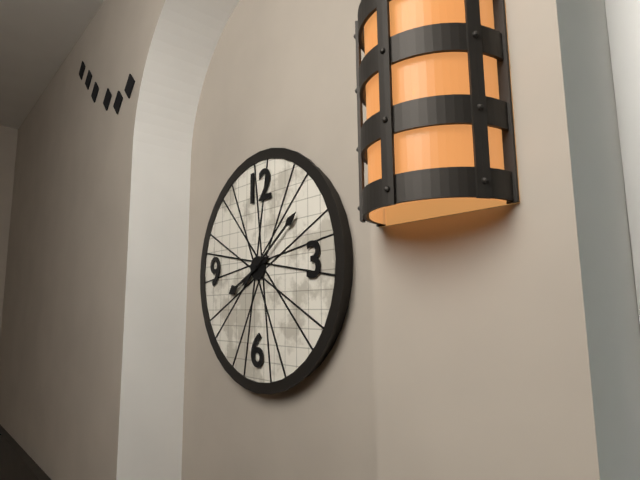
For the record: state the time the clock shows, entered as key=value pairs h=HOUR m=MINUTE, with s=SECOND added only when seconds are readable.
h=8 m=9
